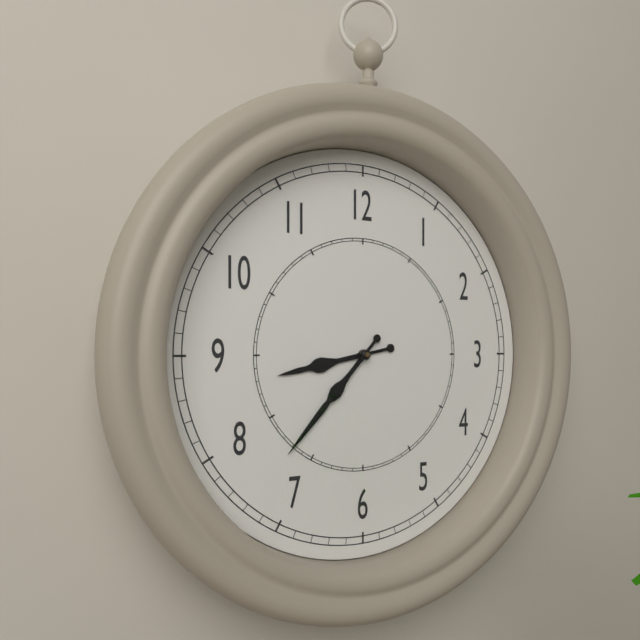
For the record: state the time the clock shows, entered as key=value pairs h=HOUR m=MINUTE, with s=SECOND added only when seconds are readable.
h=8 m=37
